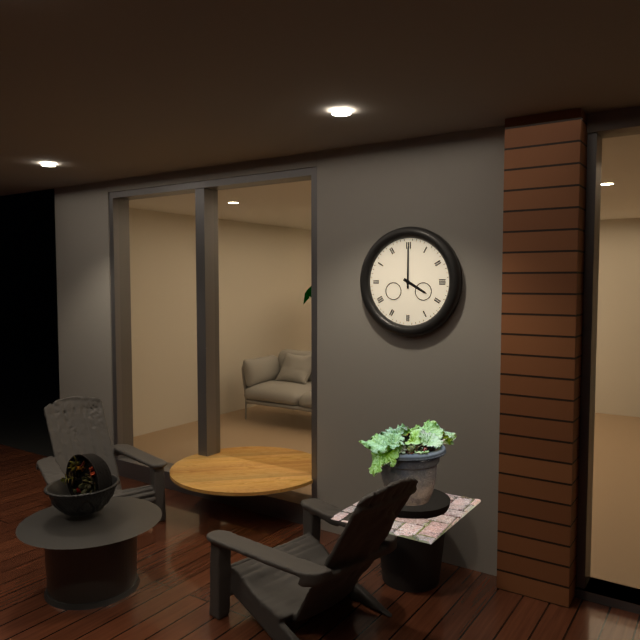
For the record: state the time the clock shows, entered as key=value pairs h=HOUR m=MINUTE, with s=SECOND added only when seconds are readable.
h=4 m=0
